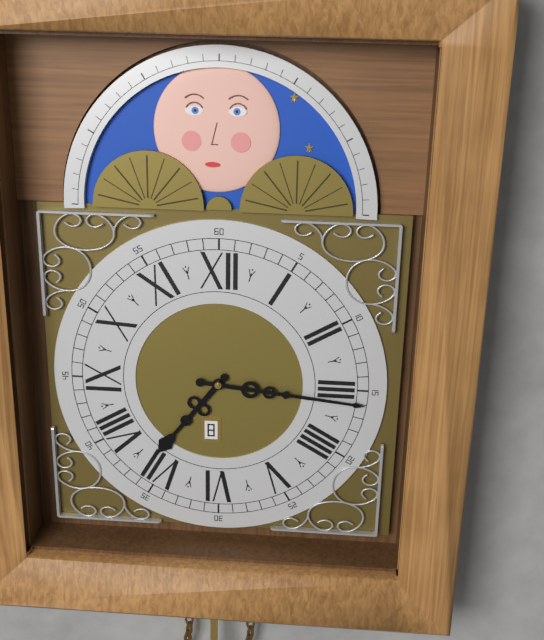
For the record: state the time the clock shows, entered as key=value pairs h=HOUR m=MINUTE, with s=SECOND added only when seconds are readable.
h=7 m=16
